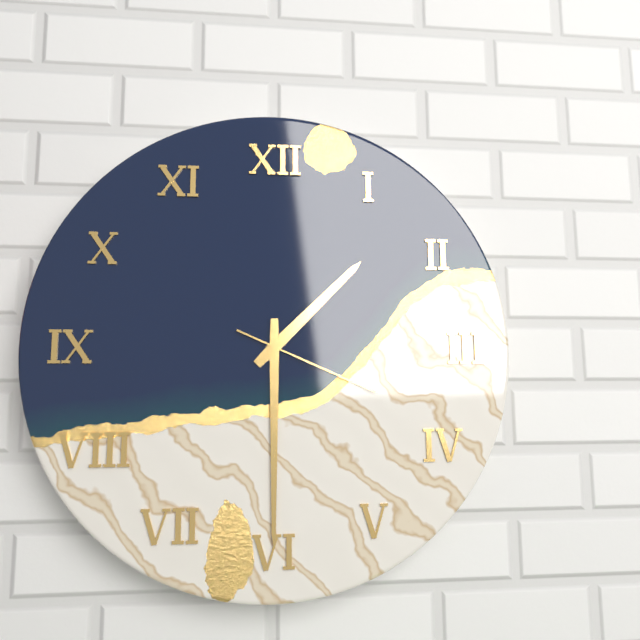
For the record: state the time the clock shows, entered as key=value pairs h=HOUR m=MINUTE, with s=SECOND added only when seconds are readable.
h=1 m=30 s=19
